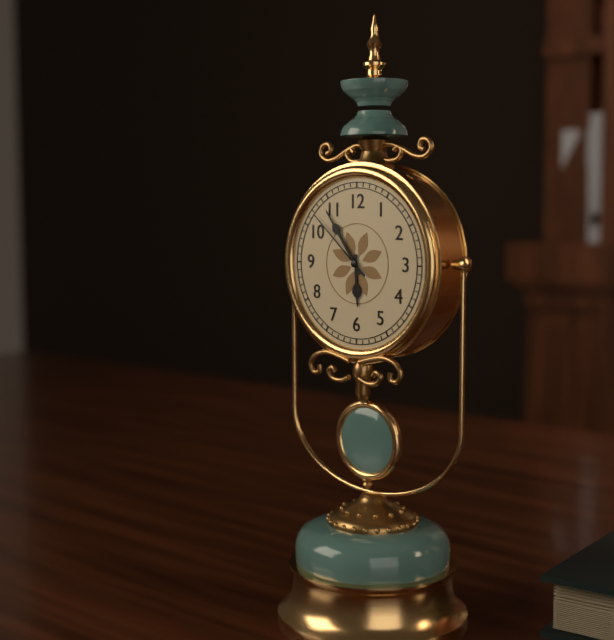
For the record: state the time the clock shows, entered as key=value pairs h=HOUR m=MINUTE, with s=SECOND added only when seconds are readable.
h=5 m=54 s=52
